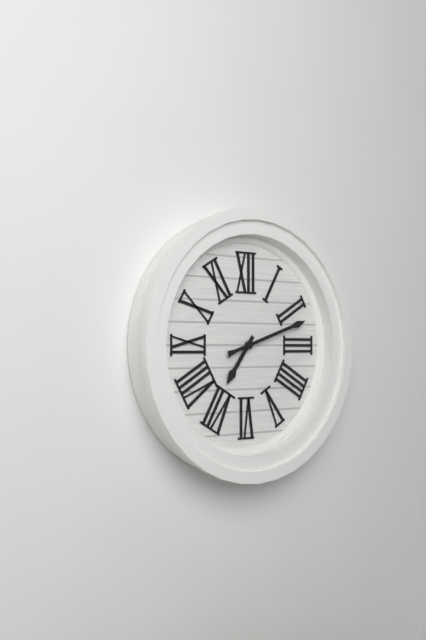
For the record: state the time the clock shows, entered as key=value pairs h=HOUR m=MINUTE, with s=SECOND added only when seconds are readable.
h=7 m=12
